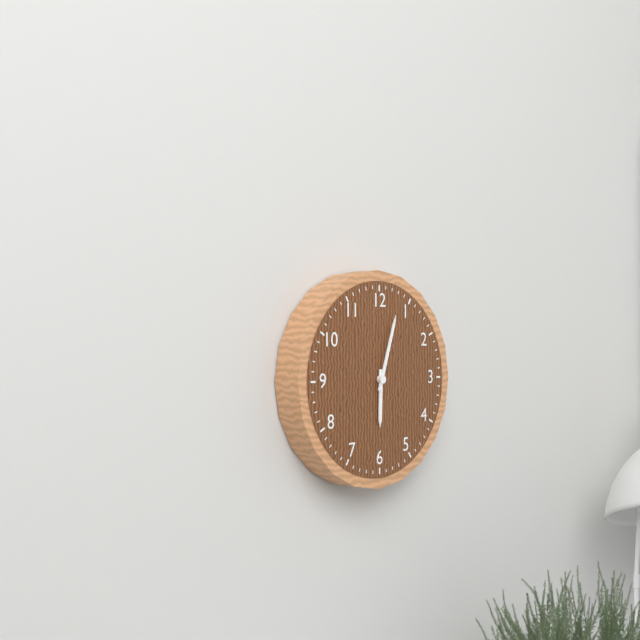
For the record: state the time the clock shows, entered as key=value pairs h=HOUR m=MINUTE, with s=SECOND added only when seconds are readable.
h=6 m=3
